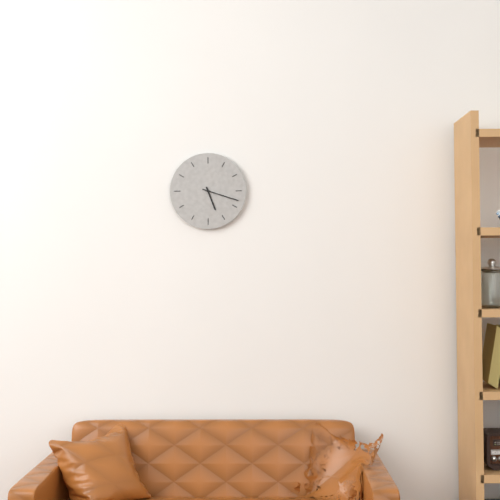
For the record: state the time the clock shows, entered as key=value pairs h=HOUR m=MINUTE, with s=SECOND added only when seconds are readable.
h=5 m=18
